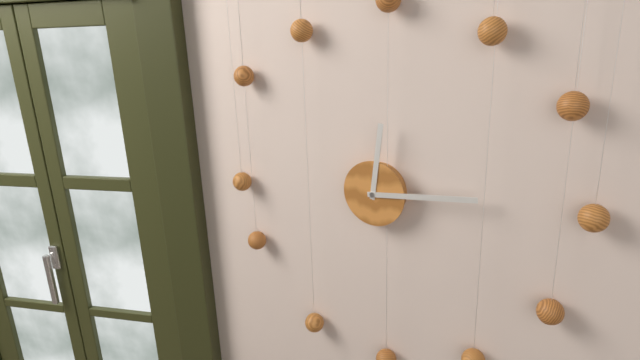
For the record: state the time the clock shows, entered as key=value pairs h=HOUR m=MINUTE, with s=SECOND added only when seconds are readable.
h=12 m=14
